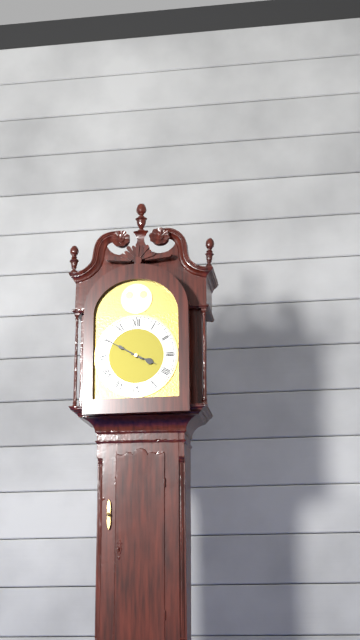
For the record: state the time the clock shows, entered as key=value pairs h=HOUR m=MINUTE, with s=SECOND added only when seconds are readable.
h=3 m=50
